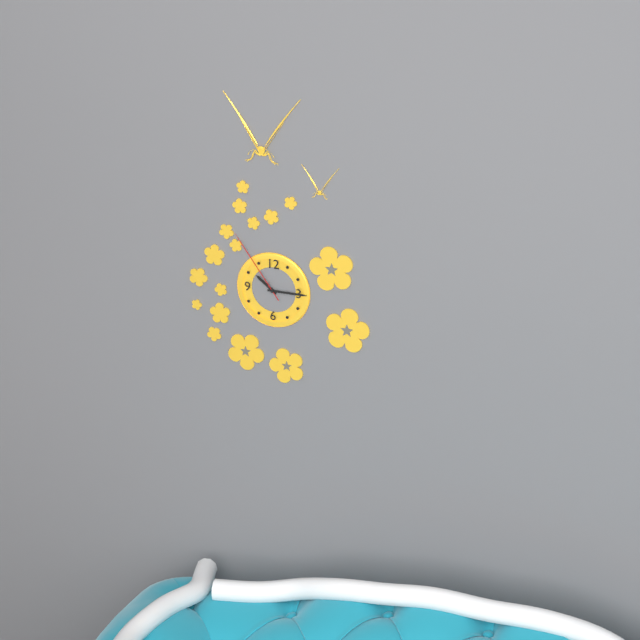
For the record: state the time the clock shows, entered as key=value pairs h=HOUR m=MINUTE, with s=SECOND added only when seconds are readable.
h=10 m=15 s=54
